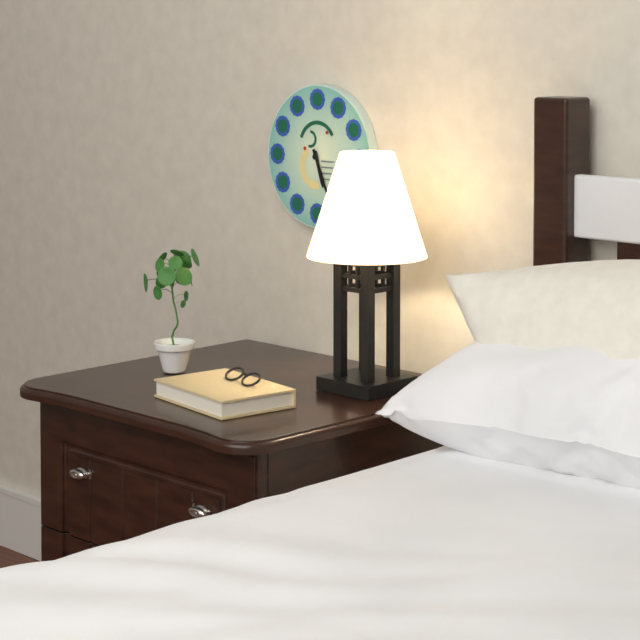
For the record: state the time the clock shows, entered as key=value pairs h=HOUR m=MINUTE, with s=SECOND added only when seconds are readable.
h=5 m=26
